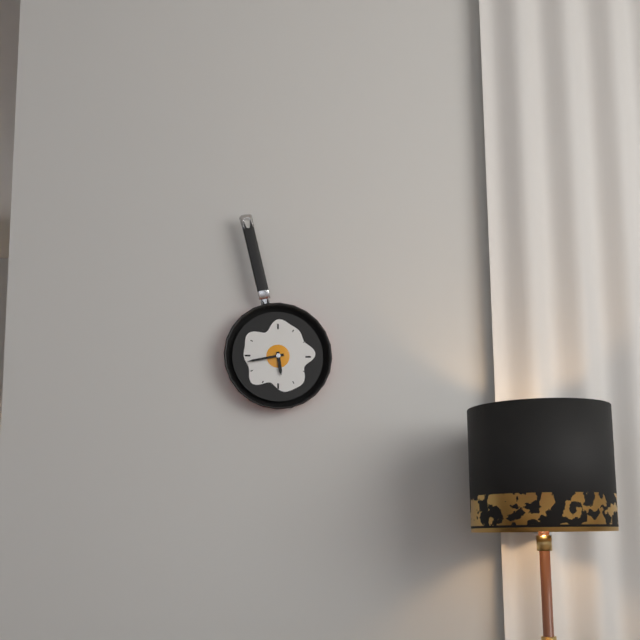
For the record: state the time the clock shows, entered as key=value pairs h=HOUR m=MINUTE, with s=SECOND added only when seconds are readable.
h=5 m=43
